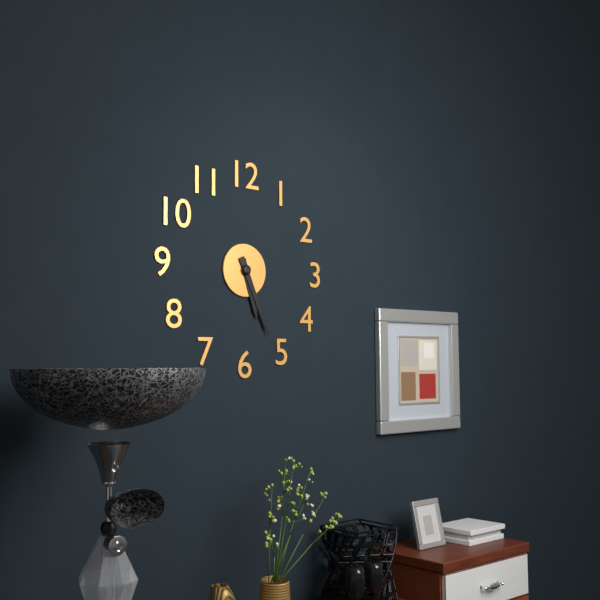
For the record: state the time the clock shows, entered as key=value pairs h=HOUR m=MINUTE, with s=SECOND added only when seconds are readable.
h=5 m=26
